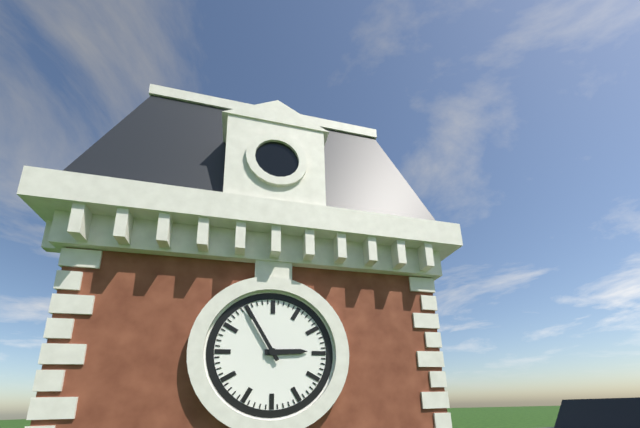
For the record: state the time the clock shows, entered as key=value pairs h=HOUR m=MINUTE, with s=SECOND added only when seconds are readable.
h=2 m=55
